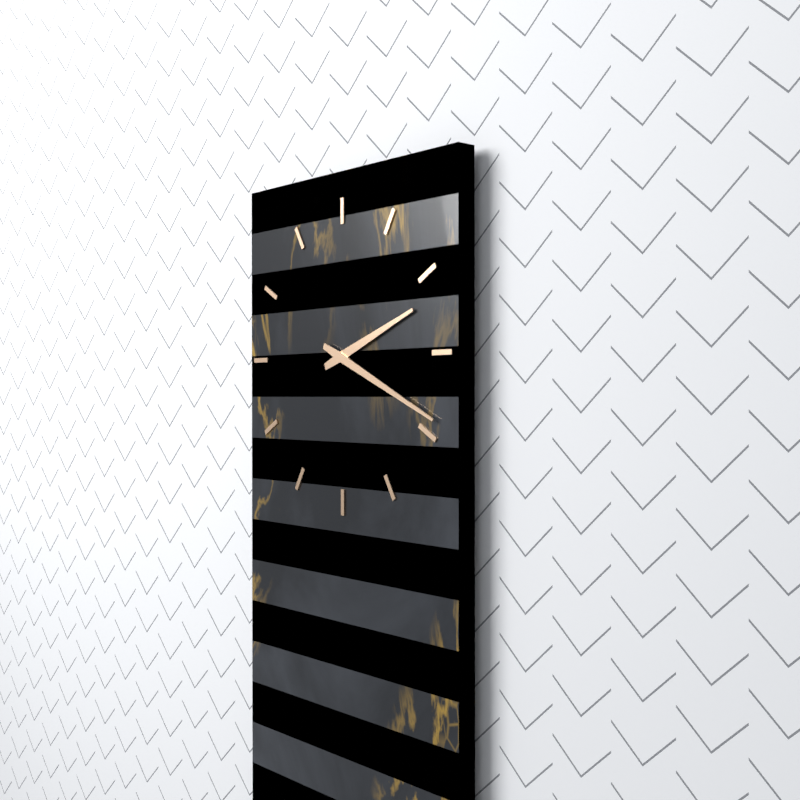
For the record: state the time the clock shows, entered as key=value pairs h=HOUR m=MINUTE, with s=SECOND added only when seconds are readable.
h=2 m=19
